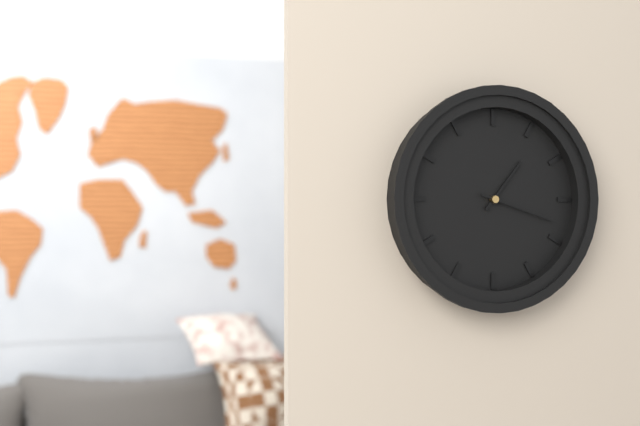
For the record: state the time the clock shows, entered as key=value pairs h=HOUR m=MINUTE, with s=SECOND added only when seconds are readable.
h=1 m=18
